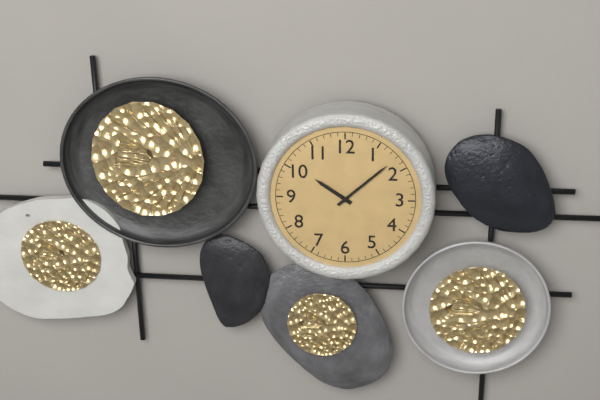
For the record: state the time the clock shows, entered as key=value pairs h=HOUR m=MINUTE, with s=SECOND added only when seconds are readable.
h=10 m=8
